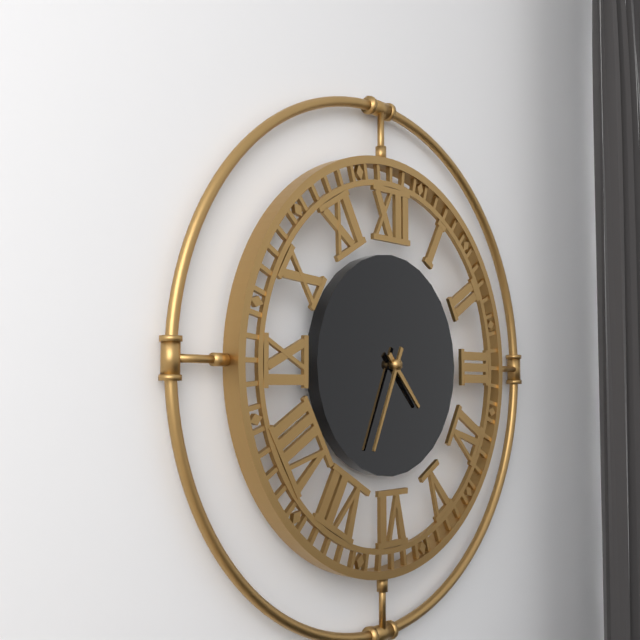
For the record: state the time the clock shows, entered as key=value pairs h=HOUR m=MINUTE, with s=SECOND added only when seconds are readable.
h=4 m=34
